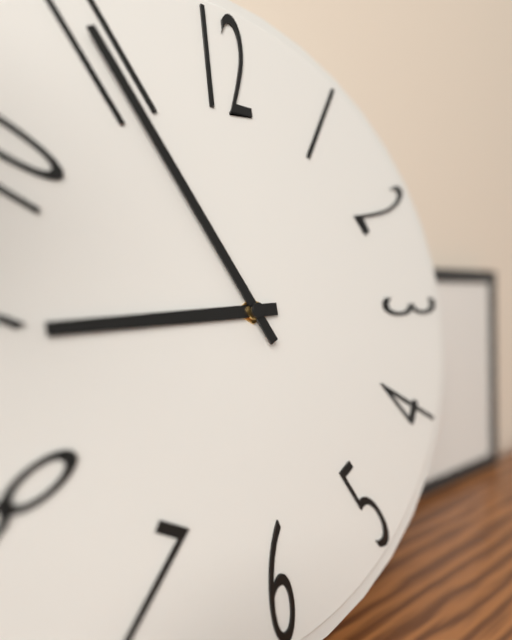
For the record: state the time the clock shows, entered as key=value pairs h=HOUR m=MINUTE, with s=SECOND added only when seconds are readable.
h=8 m=55
